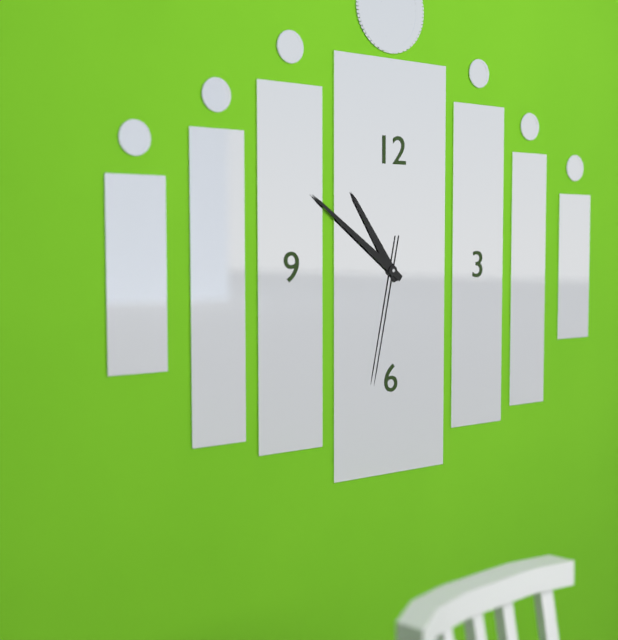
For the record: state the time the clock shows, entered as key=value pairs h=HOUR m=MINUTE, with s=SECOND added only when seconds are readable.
h=10 m=51 s=32
